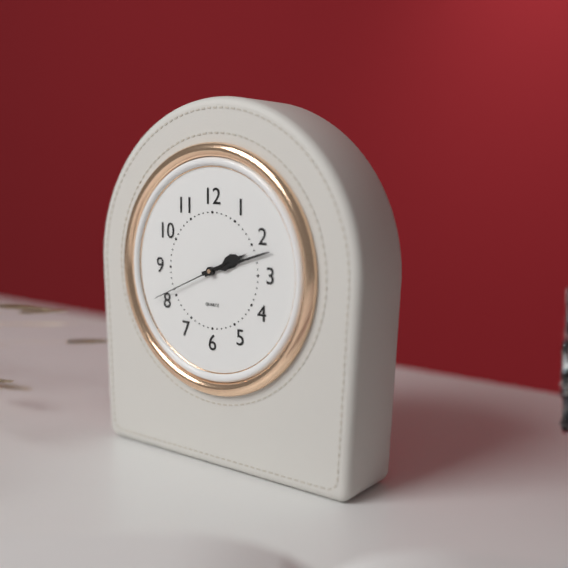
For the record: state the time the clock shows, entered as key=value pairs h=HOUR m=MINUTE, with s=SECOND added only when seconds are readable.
h=2 m=12 s=41
